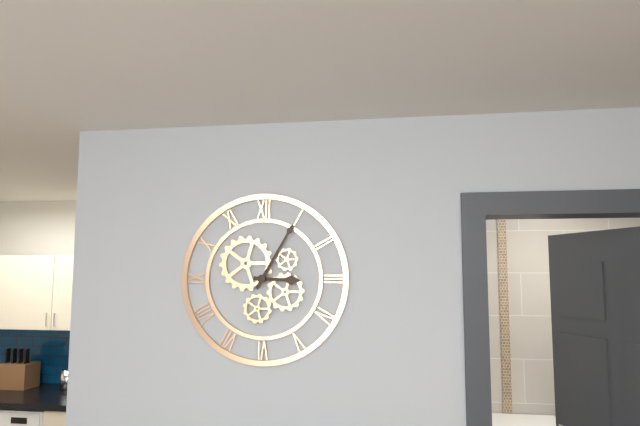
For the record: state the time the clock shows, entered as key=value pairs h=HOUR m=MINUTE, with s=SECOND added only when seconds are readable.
h=3 m=5
